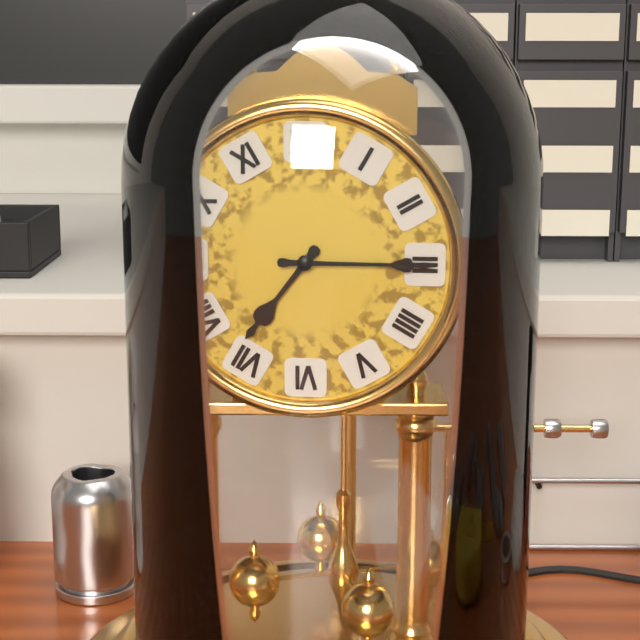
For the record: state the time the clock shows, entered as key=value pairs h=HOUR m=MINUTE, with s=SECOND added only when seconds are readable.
h=7 m=15
